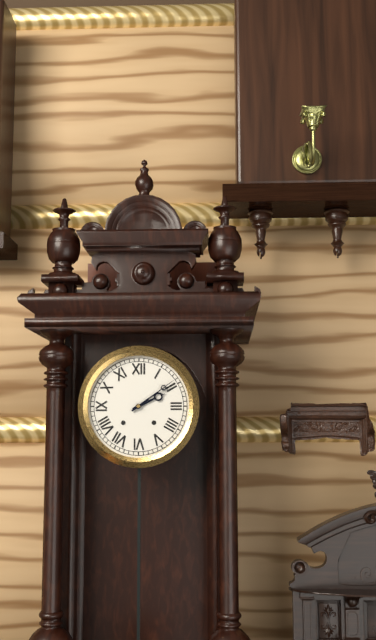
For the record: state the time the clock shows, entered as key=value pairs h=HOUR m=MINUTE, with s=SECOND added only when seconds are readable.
h=2 m=9
